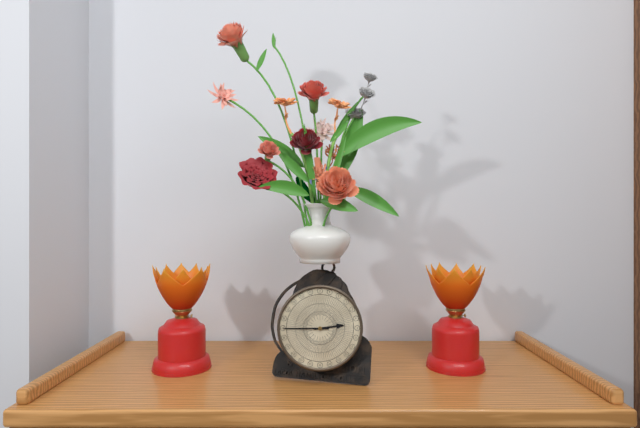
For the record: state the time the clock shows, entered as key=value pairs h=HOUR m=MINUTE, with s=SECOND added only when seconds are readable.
h=2 m=45
